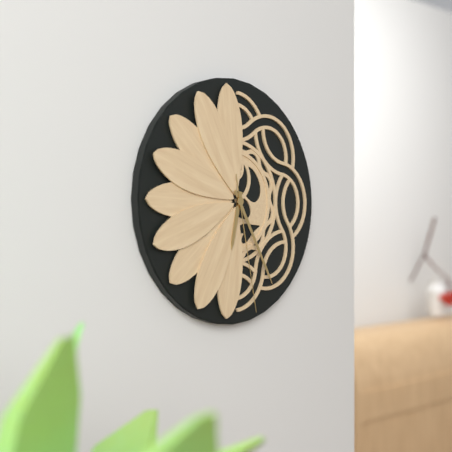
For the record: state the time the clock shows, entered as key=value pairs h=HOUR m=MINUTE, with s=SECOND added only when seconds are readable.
h=6 m=25 s=28
